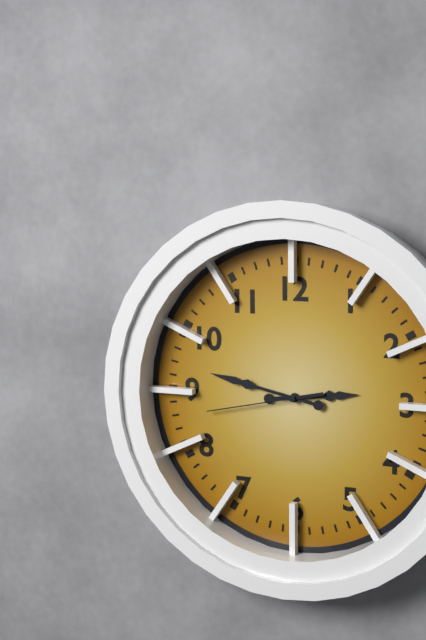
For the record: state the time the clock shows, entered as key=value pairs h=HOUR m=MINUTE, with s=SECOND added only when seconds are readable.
h=2 m=47 s=43
